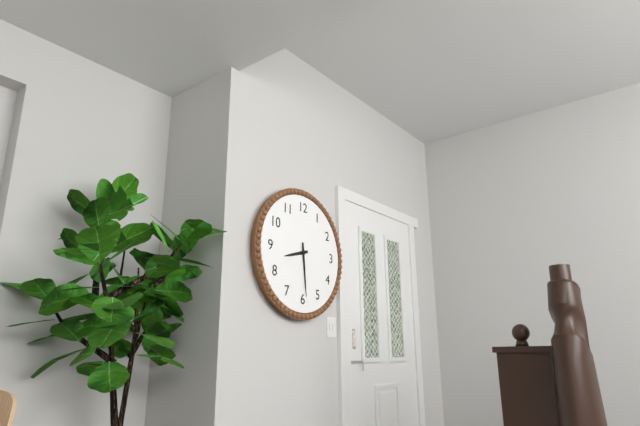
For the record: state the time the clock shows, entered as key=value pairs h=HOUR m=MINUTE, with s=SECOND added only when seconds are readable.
h=8 m=29
